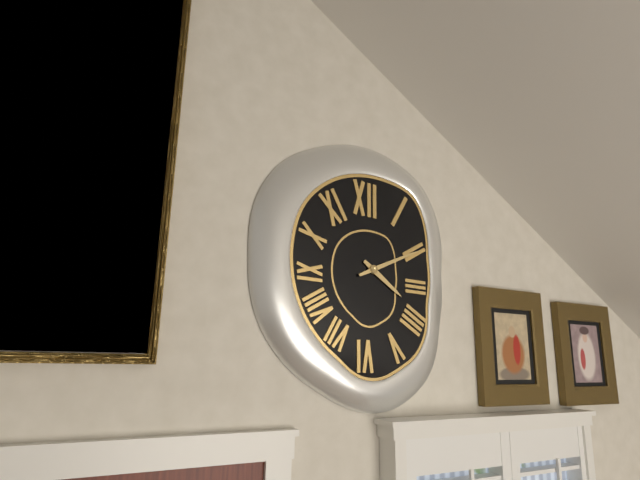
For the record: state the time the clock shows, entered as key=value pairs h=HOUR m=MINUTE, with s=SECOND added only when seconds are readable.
h=4 m=11
